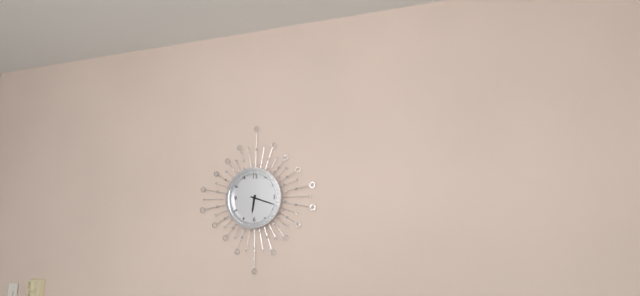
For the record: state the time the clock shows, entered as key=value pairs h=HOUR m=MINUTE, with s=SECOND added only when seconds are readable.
h=6 m=18
